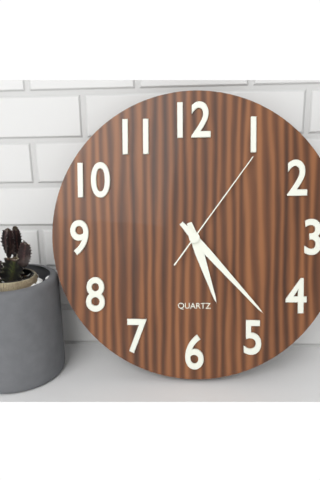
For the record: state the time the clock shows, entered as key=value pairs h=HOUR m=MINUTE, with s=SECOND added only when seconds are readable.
h=5 m=23 s=6
